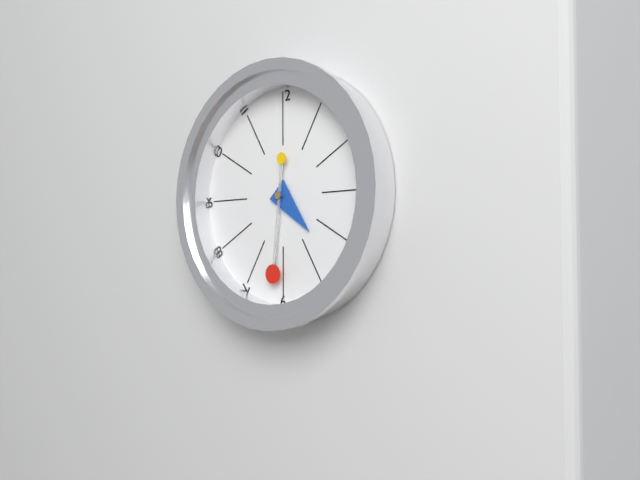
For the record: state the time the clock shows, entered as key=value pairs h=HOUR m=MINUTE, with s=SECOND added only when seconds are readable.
h=4 m=31
